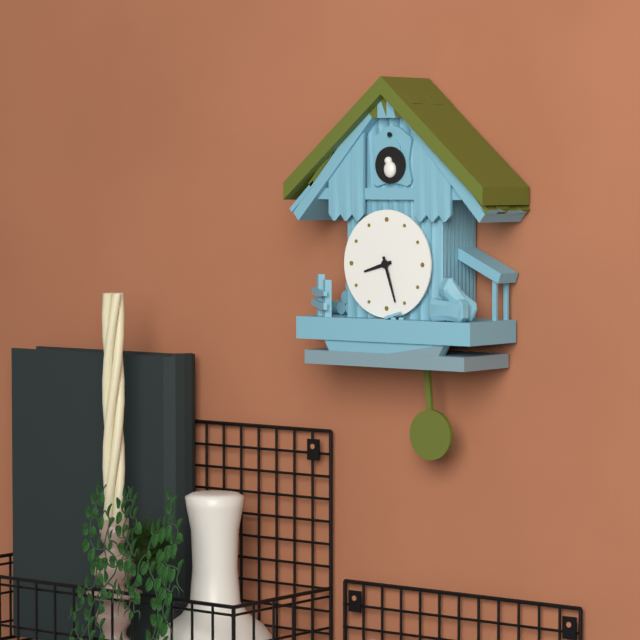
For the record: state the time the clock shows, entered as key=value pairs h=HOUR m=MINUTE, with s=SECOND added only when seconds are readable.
h=8 m=27
